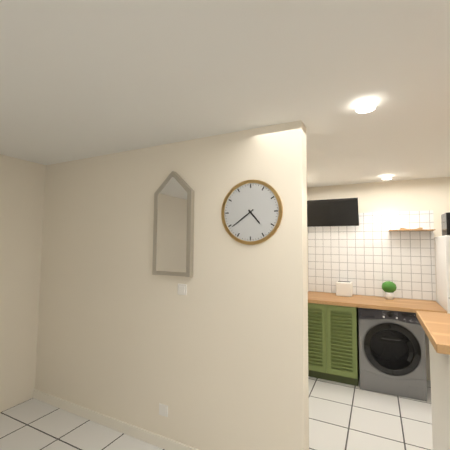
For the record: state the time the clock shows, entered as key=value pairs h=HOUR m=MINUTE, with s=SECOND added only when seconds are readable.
h=4 m=39
